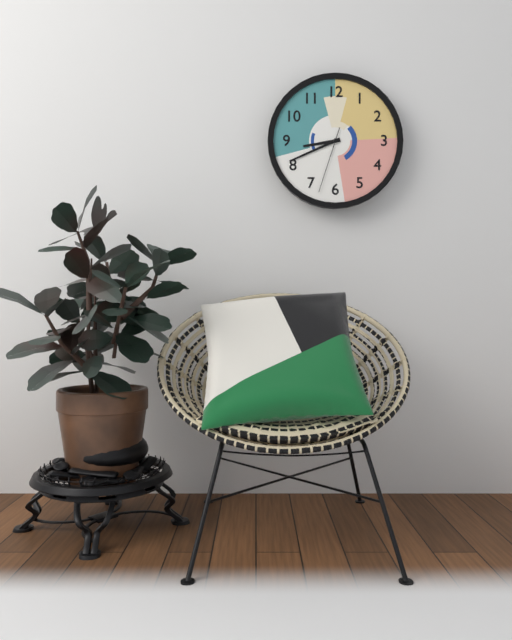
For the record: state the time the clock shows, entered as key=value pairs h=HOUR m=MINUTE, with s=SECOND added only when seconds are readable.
h=8 m=41 s=33
